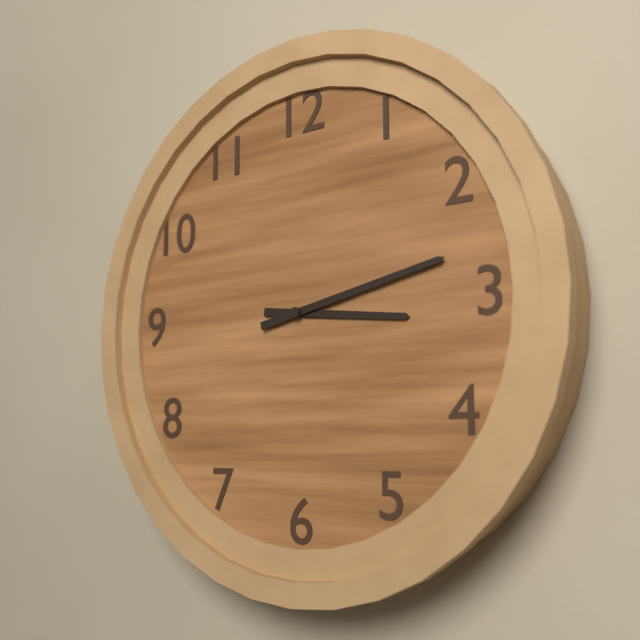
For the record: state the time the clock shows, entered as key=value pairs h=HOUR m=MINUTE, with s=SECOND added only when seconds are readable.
h=3 m=13
